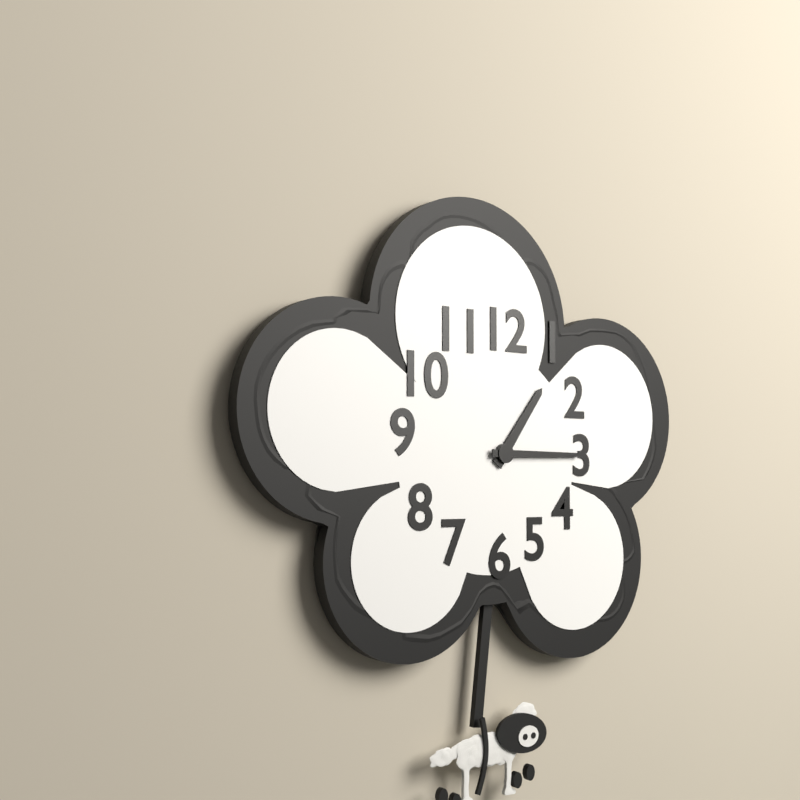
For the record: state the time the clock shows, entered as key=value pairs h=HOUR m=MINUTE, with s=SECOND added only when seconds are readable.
h=1 m=15
